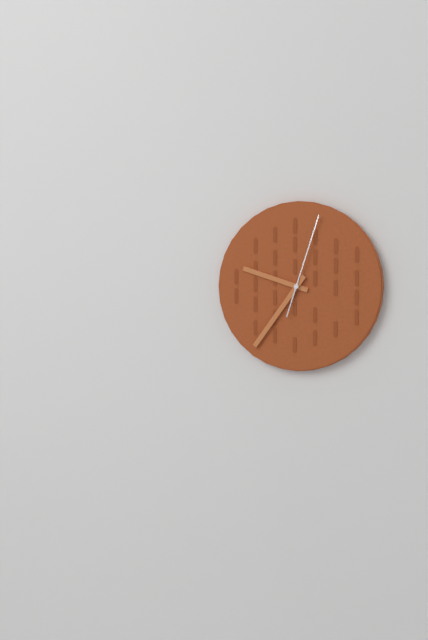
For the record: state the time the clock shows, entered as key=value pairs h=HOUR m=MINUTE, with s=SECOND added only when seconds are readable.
h=9 m=36 s=3
